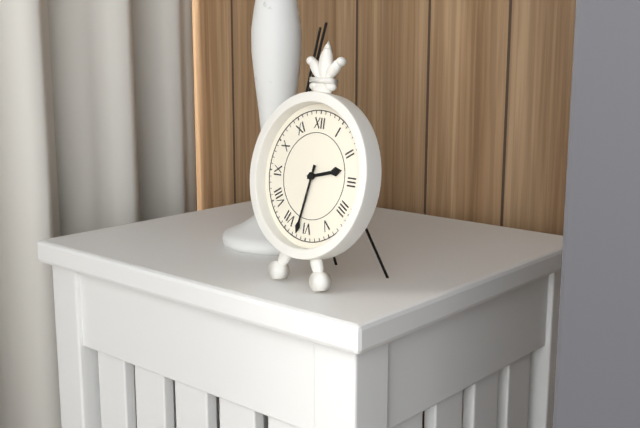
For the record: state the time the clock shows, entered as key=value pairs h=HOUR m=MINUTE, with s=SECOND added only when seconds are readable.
h=2 m=32
